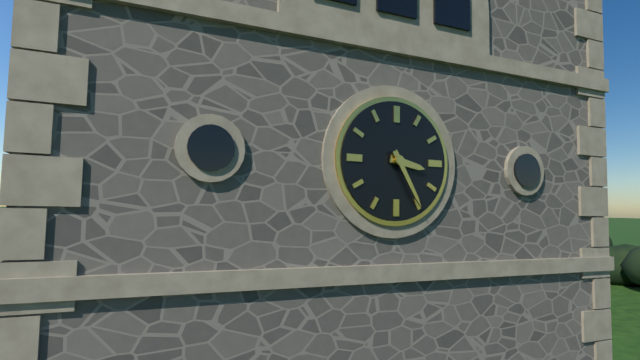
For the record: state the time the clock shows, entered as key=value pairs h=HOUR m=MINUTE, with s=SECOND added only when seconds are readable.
h=3 m=25
